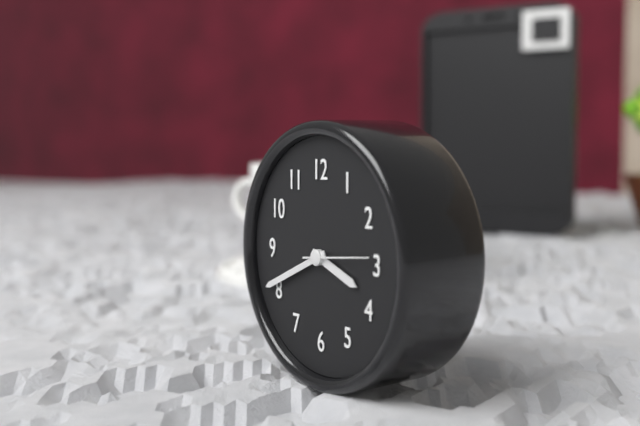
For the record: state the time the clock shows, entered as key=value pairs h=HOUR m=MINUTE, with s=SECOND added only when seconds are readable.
h=3 m=41
